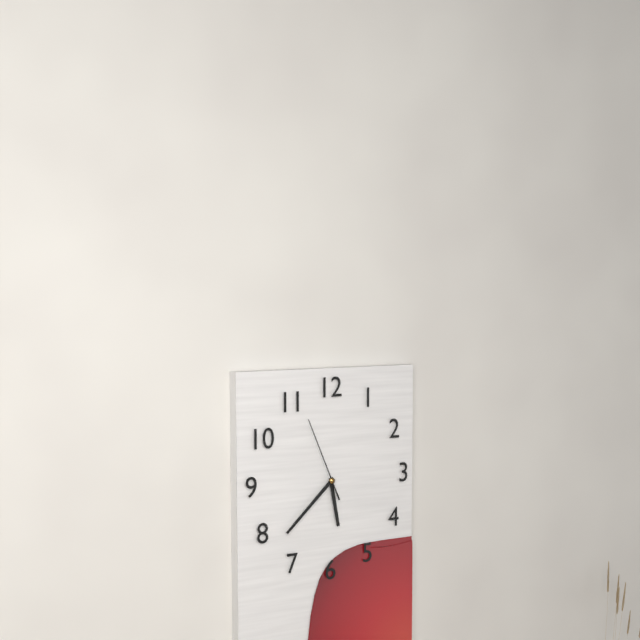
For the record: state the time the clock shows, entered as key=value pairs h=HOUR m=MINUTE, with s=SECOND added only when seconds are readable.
h=5 m=38 s=56
